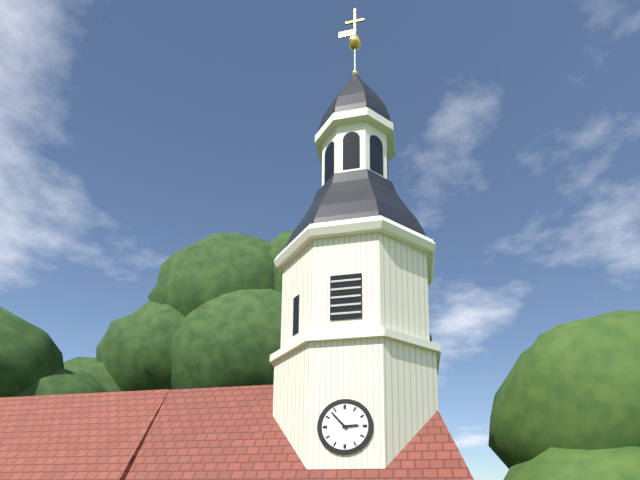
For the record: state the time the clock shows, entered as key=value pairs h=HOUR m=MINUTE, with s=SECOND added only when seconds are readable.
h=2 m=53
